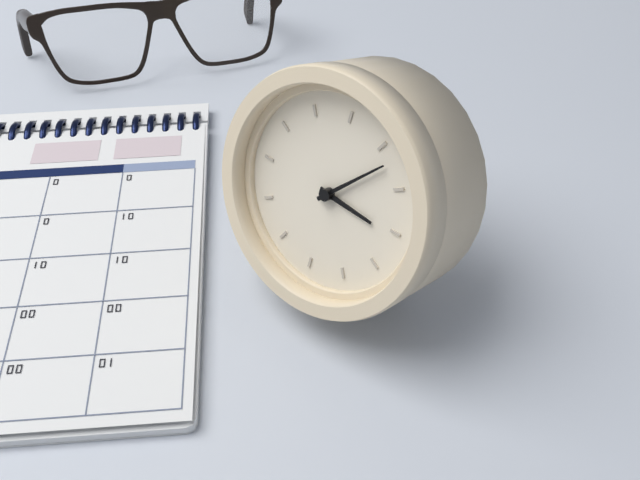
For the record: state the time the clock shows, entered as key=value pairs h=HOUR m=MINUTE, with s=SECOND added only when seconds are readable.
h=3 m=7
